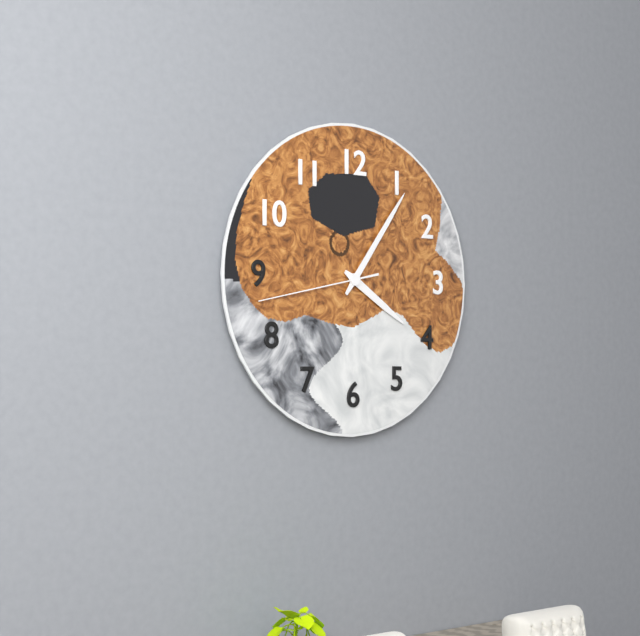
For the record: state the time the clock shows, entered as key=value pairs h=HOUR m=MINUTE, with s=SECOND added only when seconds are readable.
h=4 m=6 s=43
